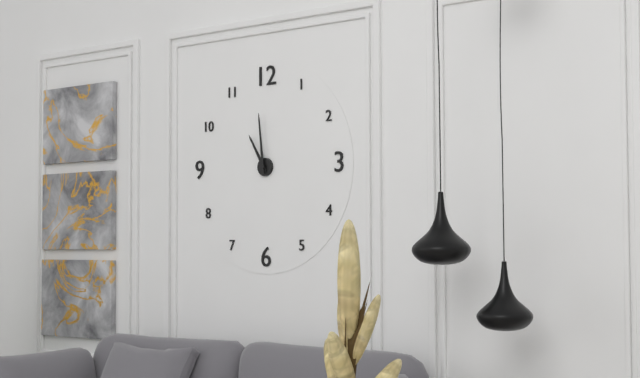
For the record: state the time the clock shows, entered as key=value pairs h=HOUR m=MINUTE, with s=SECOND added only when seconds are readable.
h=10 m=59
